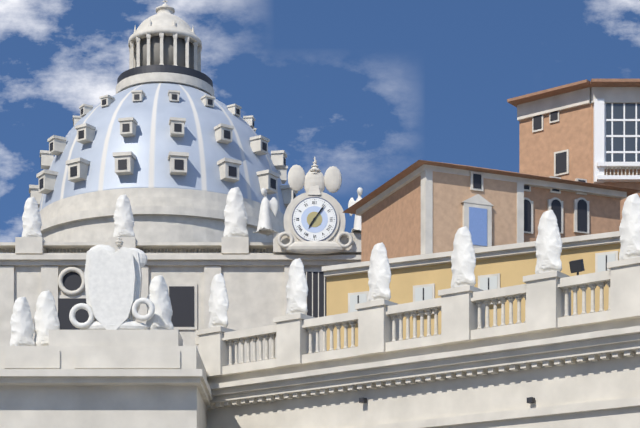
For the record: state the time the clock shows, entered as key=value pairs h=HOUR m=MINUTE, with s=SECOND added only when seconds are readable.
h=7 m=6
